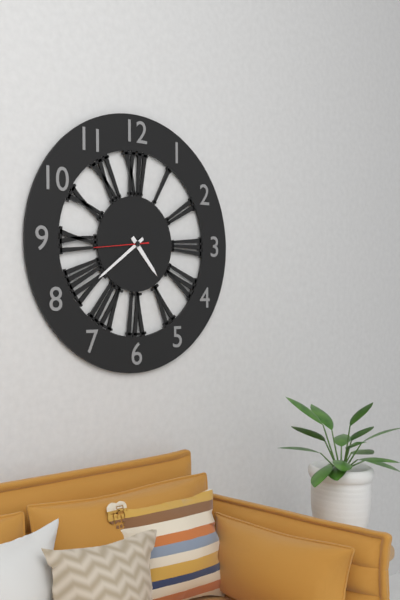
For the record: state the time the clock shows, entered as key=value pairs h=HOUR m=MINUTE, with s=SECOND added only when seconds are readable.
h=4 m=39 s=44
